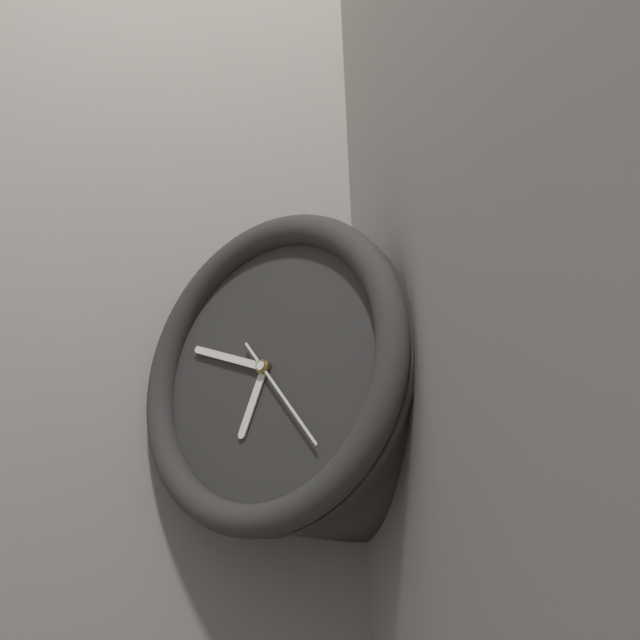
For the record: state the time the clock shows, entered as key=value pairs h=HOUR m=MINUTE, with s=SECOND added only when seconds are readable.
h=6 m=49 s=24
